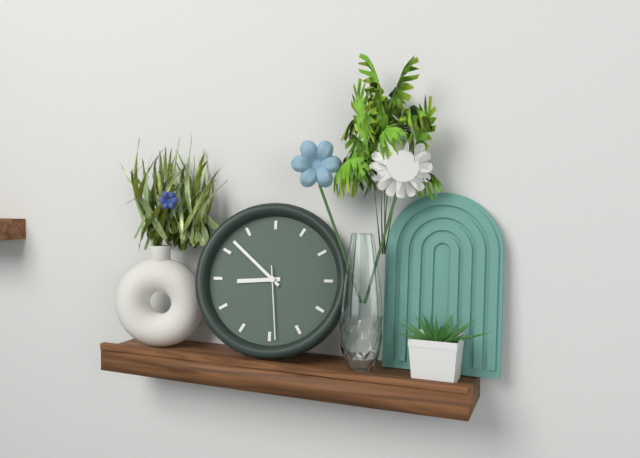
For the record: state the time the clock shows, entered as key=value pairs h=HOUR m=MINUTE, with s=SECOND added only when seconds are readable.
h=8 m=52 s=29
